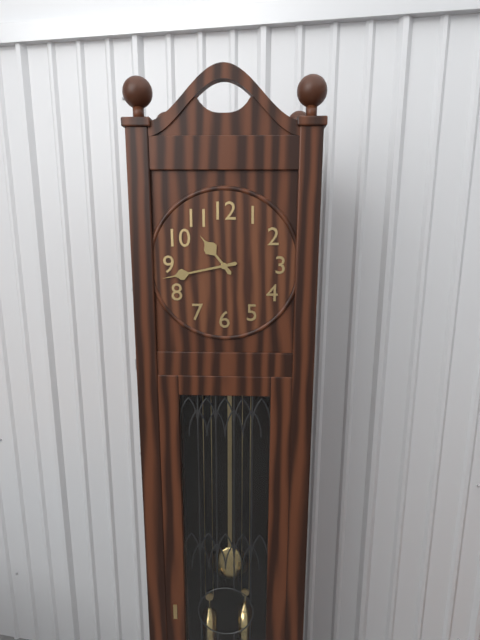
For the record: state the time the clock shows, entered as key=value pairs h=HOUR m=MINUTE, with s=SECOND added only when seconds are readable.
h=10 m=43
